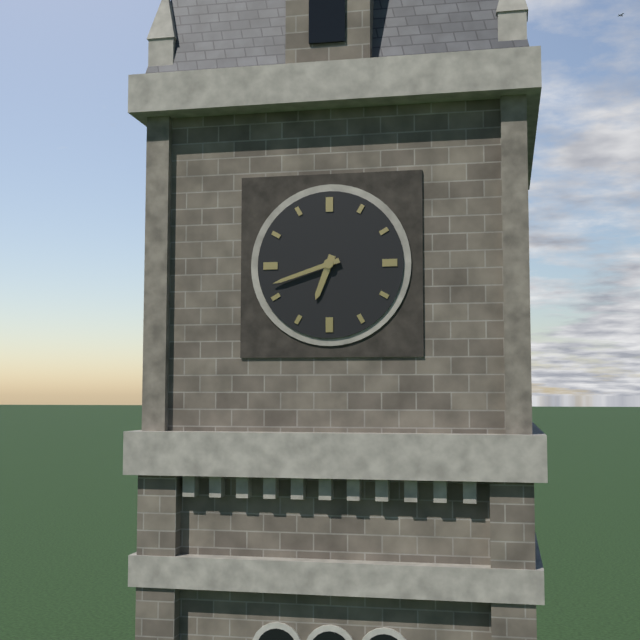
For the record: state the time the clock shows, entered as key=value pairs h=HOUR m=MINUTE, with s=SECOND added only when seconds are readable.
h=6 m=42
